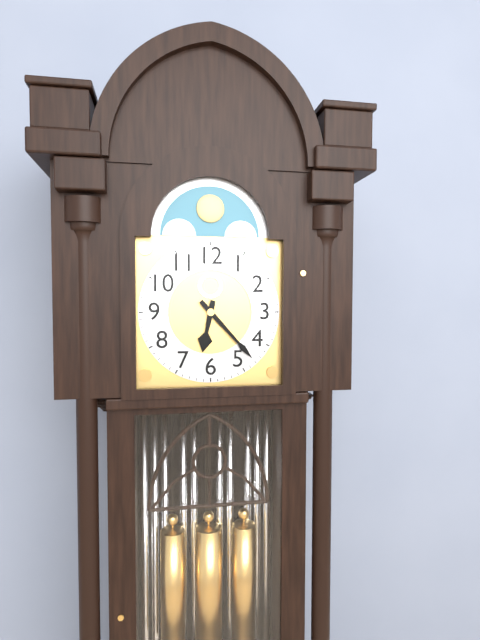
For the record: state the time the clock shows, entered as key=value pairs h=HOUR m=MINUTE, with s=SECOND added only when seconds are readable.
h=6 m=23
